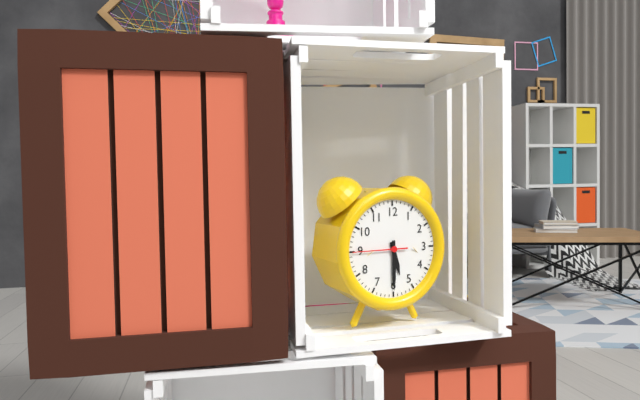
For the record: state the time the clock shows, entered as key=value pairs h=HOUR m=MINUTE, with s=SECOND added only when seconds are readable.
h=5 m=30 s=45
